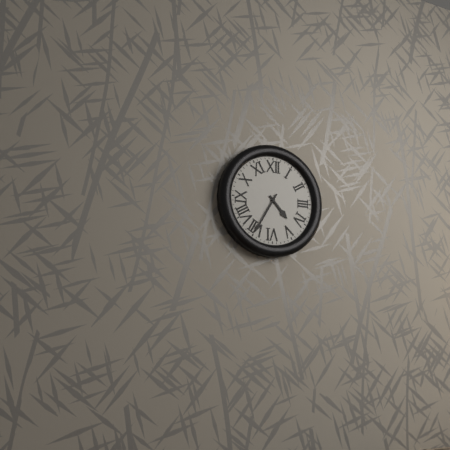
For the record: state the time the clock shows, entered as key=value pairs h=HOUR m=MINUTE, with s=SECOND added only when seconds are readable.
h=4 m=35
